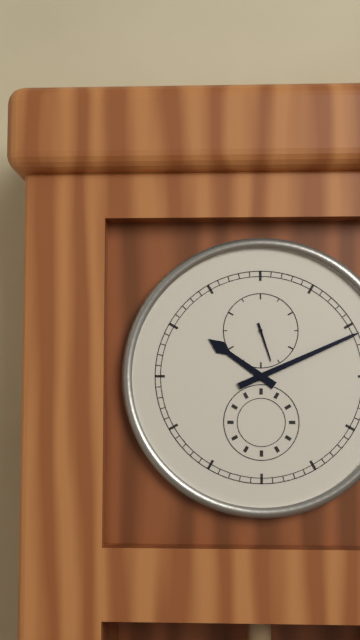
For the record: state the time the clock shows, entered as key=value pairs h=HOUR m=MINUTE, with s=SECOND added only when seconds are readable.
h=10 m=11
